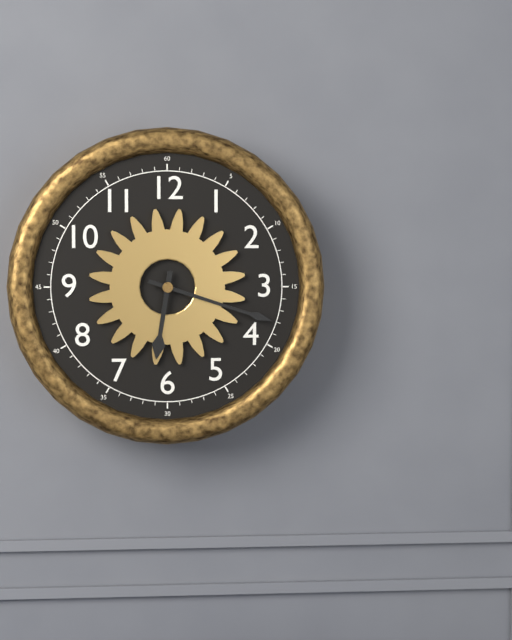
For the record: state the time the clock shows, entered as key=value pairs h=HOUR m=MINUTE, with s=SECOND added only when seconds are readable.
h=6 m=18
